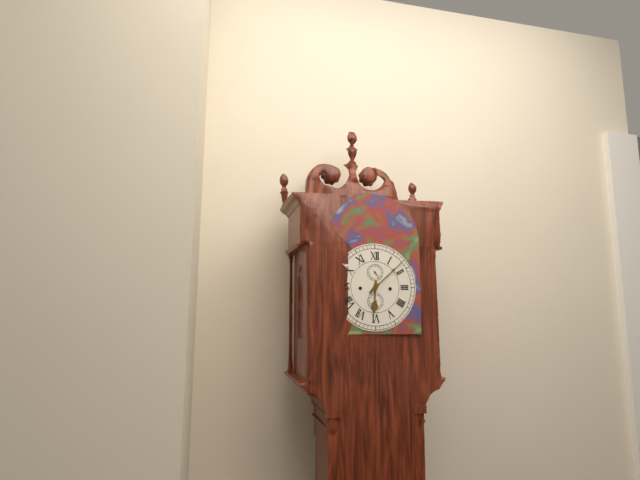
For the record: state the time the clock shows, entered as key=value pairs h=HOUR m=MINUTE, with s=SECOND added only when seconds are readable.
h=6 m=8
